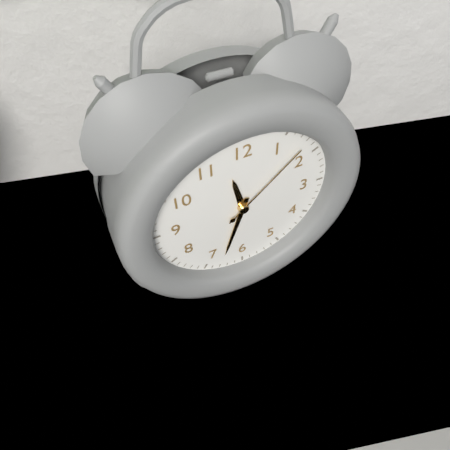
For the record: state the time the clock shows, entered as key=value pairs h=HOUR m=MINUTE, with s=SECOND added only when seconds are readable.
h=11 m=33 s=8
